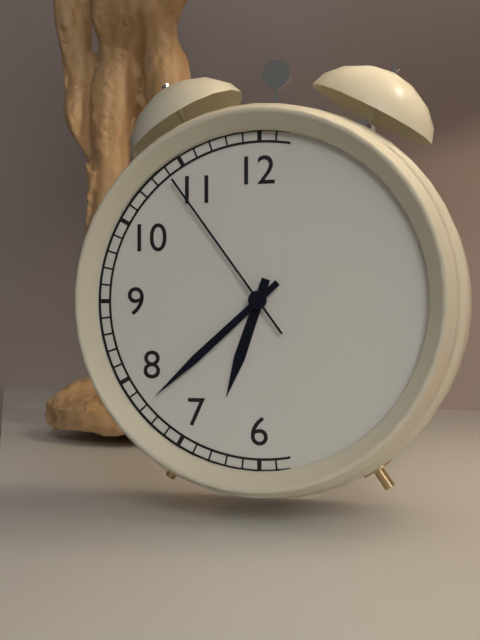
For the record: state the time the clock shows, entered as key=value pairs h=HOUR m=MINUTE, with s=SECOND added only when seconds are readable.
h=6 m=38 s=54
